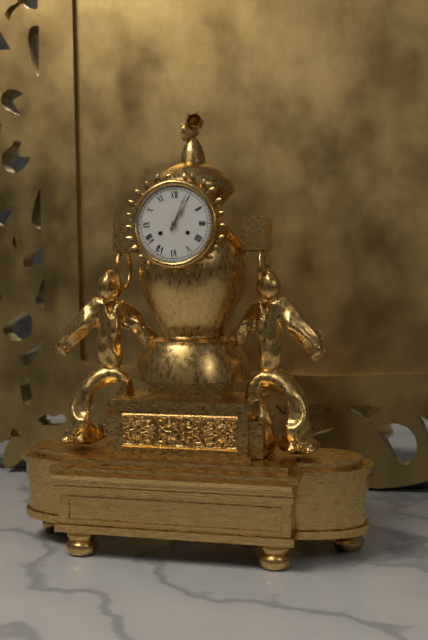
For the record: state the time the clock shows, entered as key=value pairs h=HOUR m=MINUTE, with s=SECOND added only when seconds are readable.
h=1 m=4
